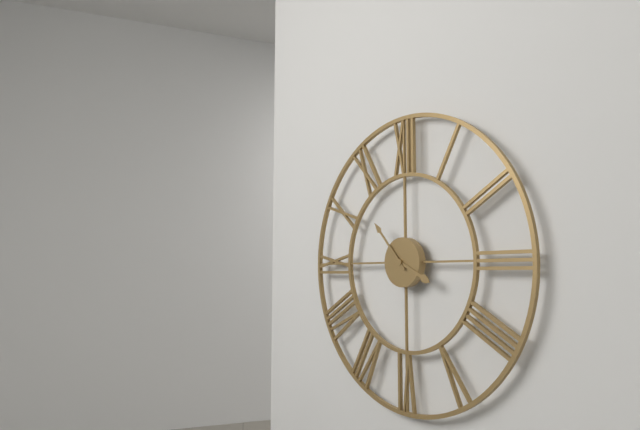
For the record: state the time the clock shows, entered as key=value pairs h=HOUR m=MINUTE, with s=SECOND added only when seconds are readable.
h=3 m=53
